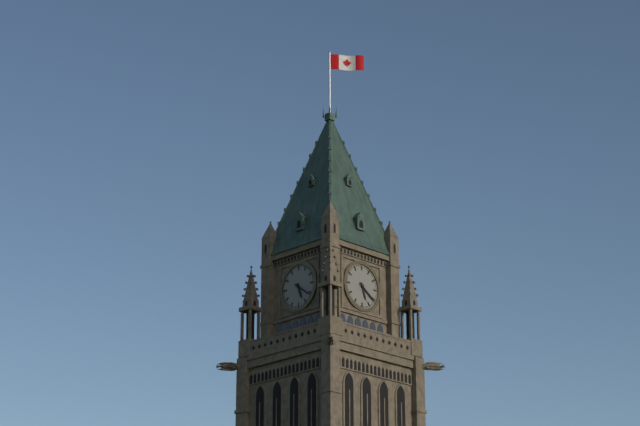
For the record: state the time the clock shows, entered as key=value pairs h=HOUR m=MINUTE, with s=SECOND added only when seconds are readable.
h=5 m=21
